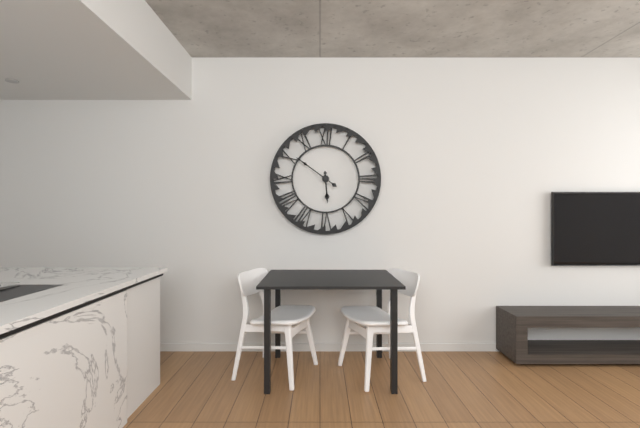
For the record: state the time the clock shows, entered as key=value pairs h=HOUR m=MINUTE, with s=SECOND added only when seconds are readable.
h=5 m=51
